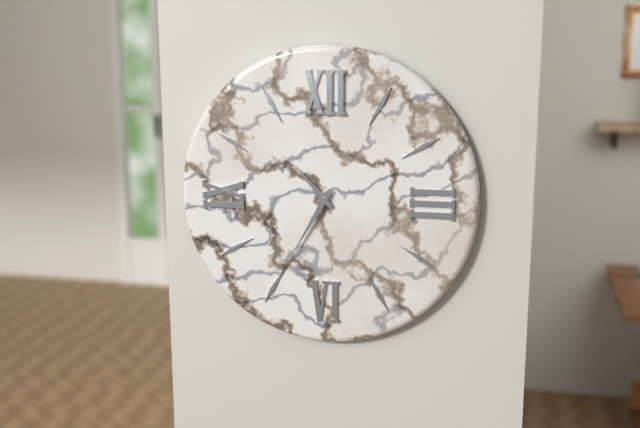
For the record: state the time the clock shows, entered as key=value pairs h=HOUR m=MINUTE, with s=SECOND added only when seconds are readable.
h=10 m=35
